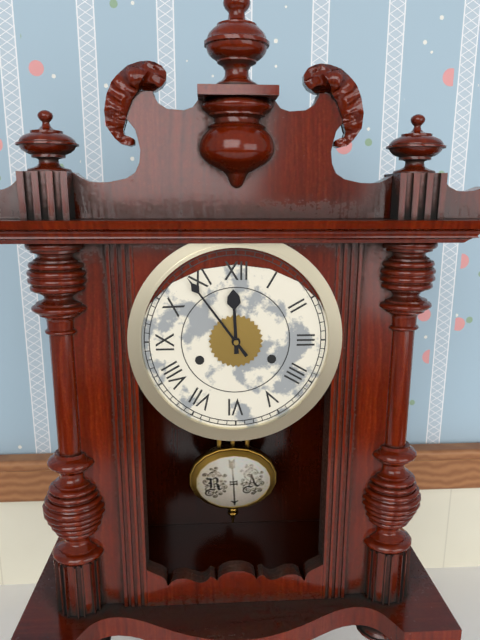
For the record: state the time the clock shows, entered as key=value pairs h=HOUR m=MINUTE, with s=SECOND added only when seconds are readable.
h=11 m=54
